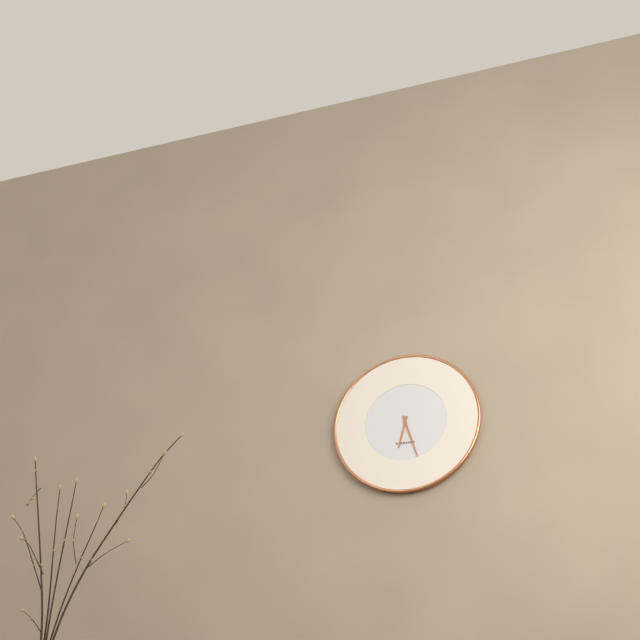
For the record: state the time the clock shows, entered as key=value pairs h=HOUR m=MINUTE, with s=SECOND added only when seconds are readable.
h=6 m=27
